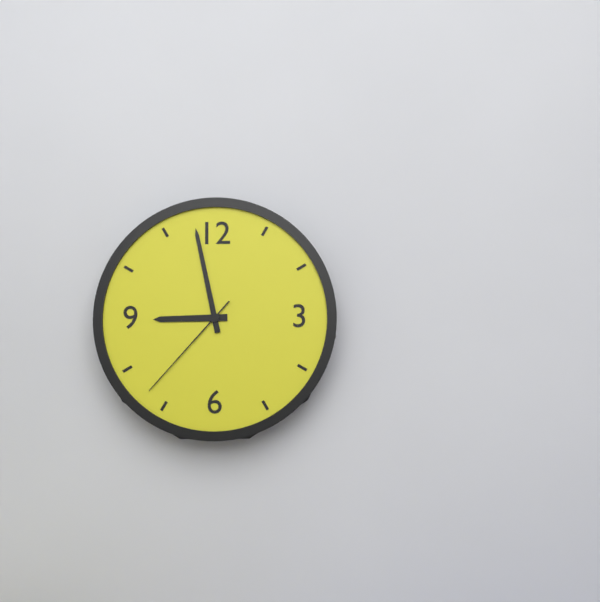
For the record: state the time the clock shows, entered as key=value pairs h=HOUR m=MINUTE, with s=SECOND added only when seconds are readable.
h=8 m=58 s=37
